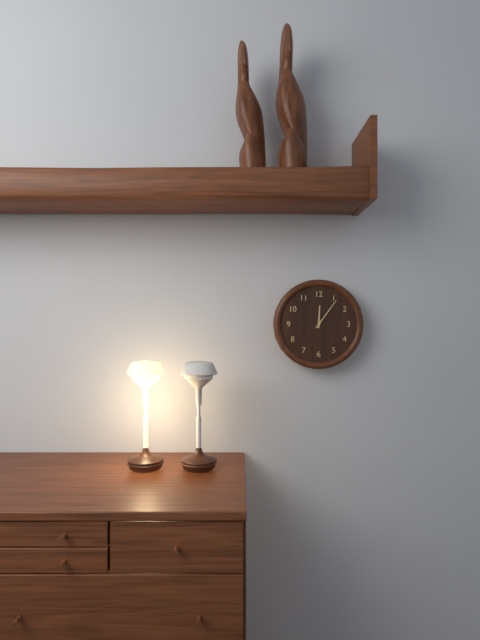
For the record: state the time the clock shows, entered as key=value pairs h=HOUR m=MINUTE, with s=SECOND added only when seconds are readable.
h=12 m=6
